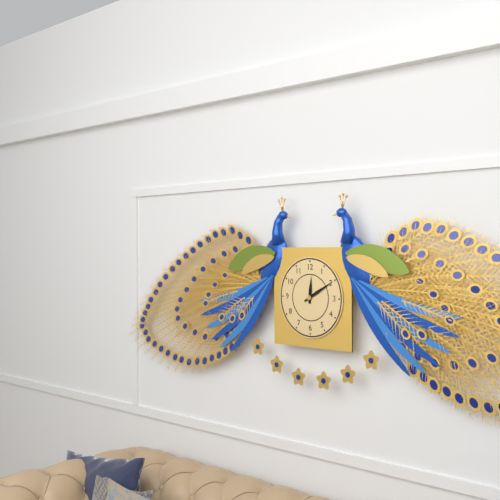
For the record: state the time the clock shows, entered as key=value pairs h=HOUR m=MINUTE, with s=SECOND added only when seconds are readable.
h=12 m=10
